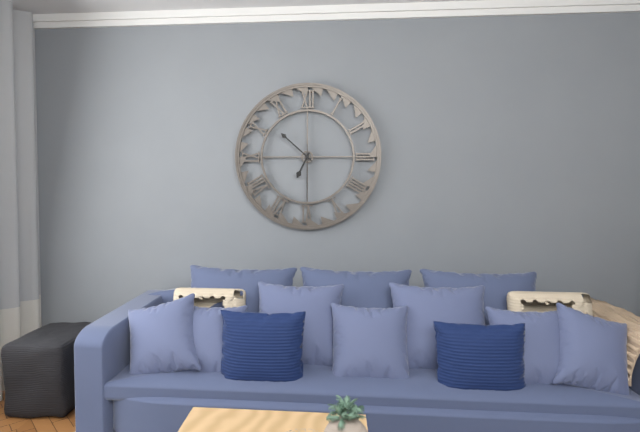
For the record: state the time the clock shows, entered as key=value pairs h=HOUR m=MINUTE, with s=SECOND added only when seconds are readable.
h=6 m=52 s=30
